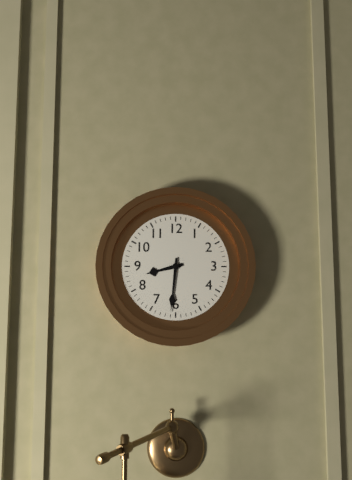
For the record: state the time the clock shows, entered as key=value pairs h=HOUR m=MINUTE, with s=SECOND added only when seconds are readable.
h=8 m=31
